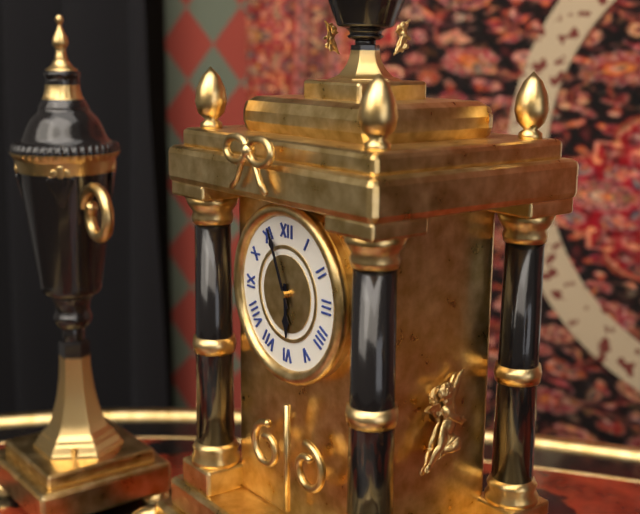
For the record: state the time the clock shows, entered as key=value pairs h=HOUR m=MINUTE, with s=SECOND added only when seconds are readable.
h=5 m=56
